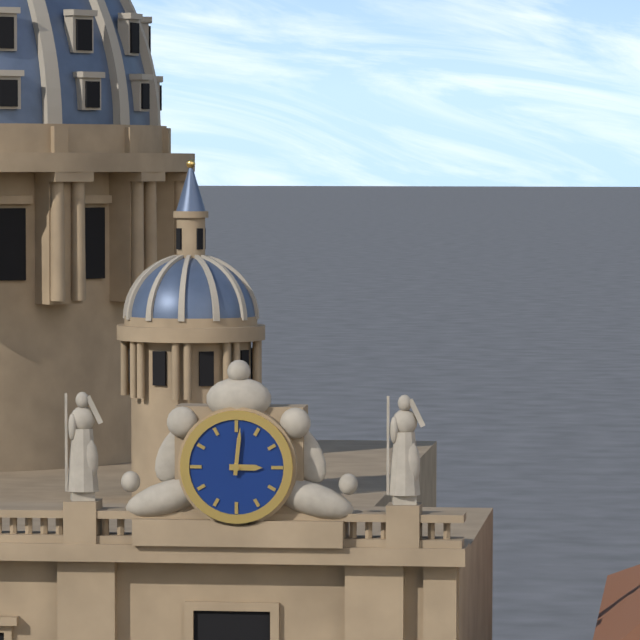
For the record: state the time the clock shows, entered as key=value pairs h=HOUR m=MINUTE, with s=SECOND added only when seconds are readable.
h=3 m=1
